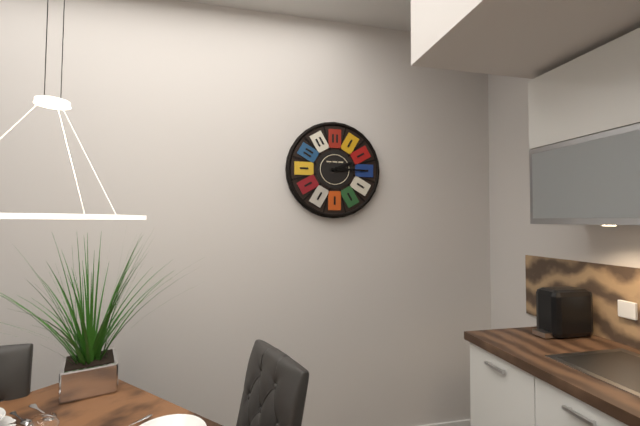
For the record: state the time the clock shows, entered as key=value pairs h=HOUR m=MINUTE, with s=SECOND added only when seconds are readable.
h=2 m=15
